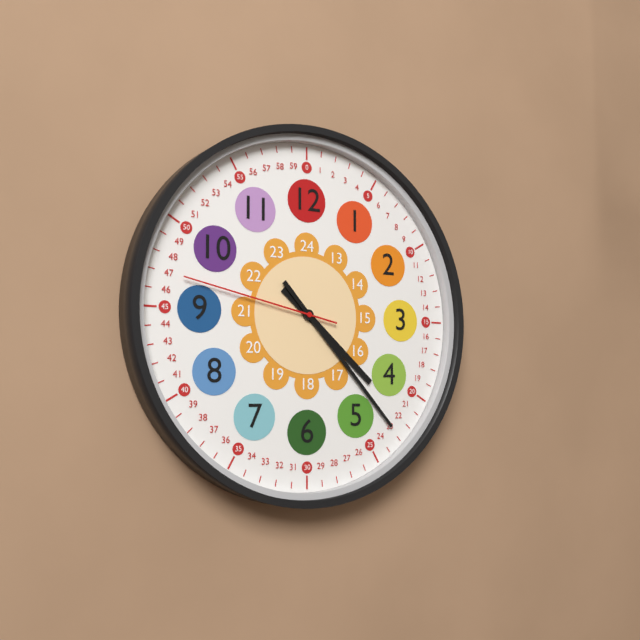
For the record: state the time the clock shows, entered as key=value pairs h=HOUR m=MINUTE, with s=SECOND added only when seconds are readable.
h=4 m=23 s=47
